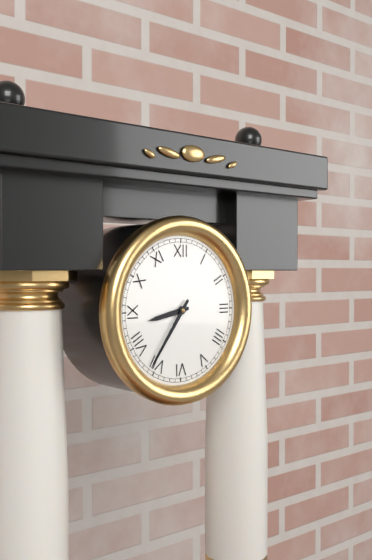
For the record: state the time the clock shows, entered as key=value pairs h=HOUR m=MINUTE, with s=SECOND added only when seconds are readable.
h=8 m=36
